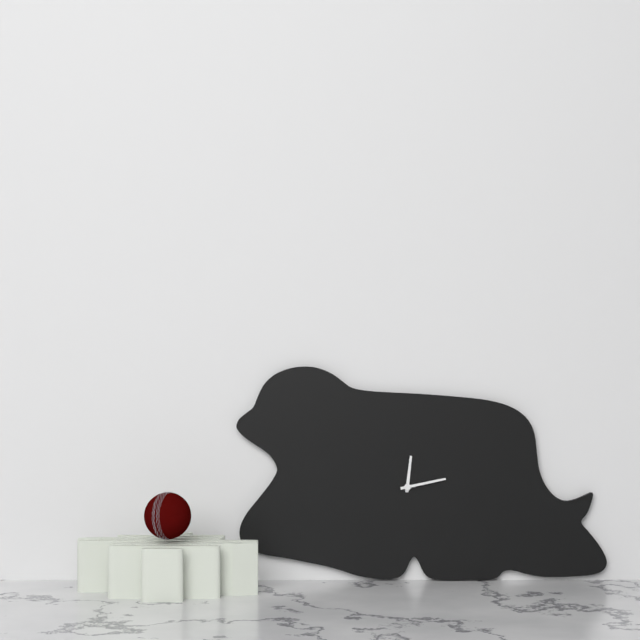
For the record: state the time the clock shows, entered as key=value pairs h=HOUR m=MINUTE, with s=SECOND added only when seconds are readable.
h=12 m=13
